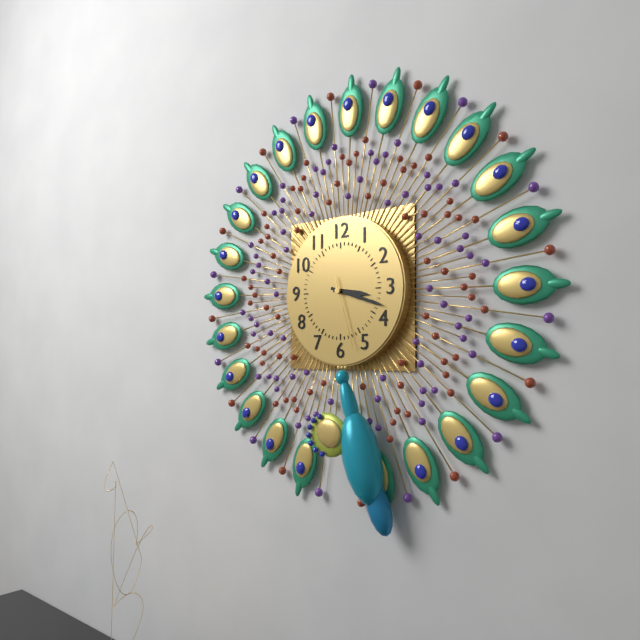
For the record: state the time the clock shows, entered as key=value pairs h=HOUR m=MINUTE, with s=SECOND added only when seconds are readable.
h=3 m=18 s=27
